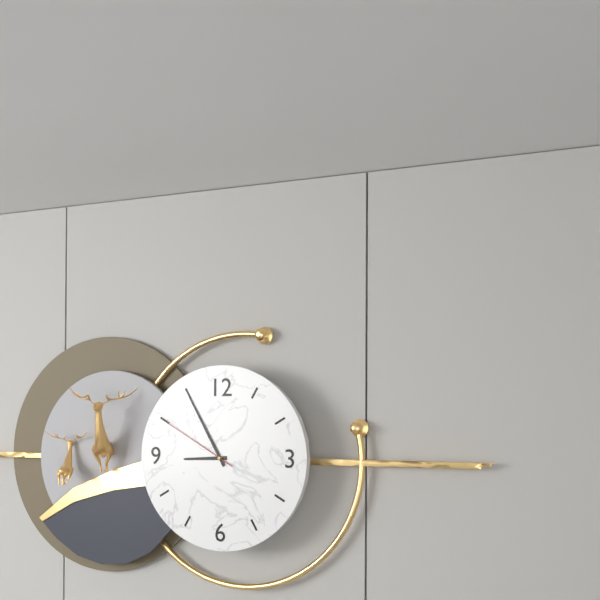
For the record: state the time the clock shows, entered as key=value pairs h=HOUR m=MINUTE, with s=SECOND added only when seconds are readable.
h=8 m=55 s=50
